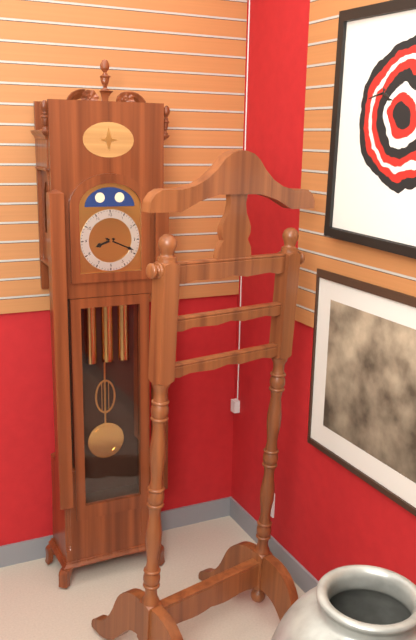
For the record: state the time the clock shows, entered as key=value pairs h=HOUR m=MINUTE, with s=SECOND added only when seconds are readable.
h=8 m=19
